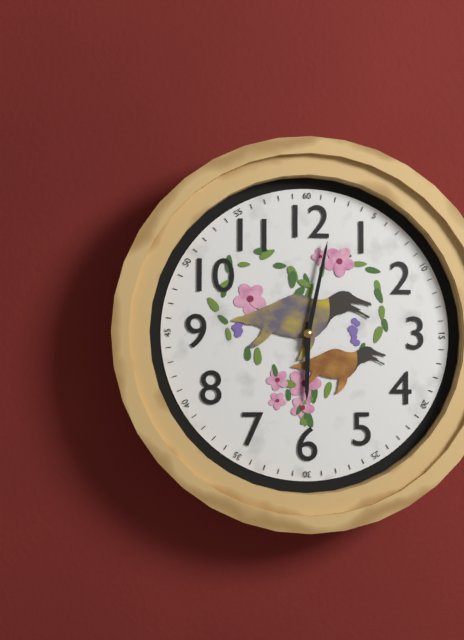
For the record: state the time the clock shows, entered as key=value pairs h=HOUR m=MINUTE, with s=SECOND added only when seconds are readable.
h=6 m=2
